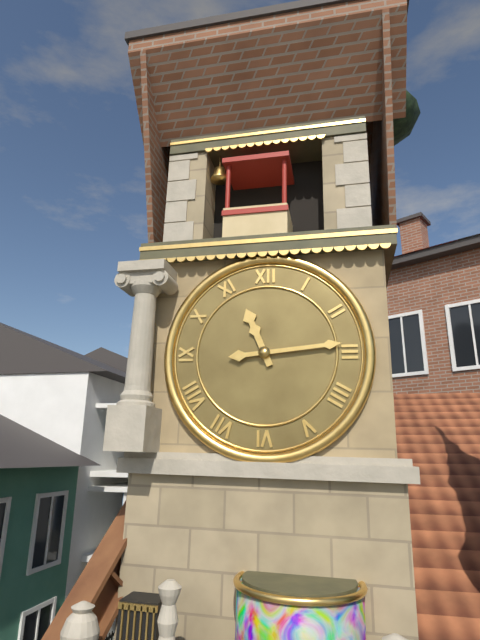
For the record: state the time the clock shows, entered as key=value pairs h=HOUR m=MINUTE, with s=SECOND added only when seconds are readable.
h=11 m=14
